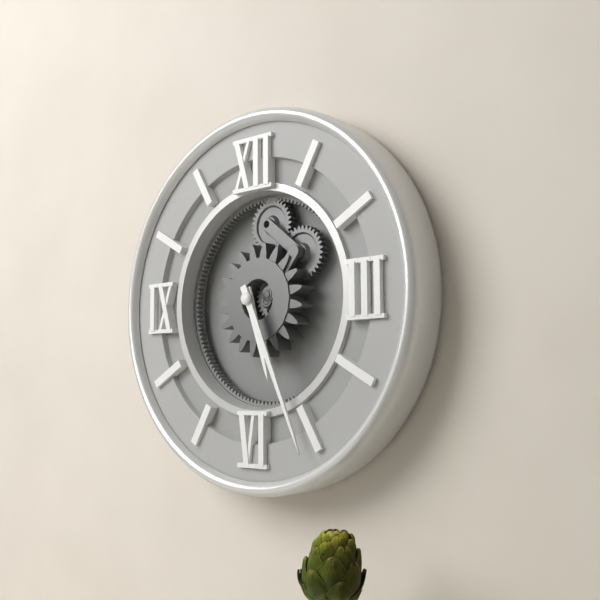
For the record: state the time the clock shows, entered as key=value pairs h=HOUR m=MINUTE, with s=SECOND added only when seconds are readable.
h=5 m=26
